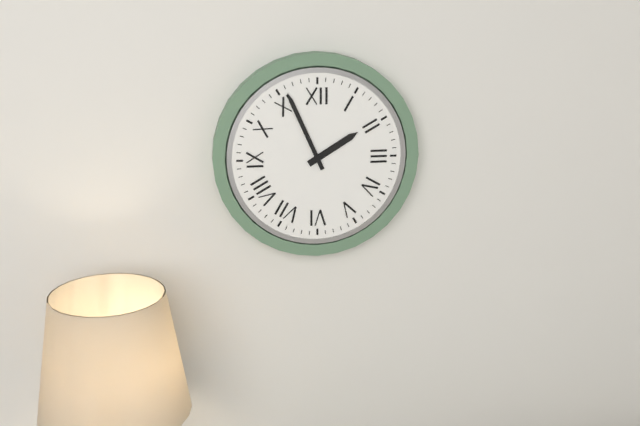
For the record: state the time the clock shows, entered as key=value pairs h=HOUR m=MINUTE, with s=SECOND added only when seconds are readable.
h=1 m=56
